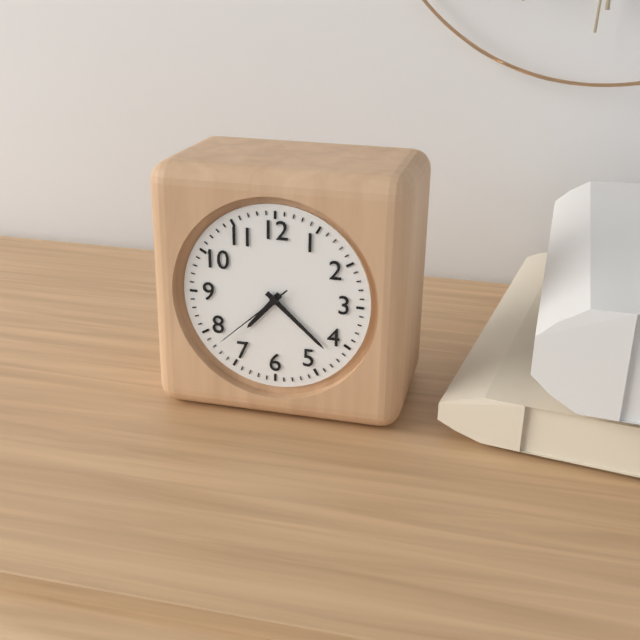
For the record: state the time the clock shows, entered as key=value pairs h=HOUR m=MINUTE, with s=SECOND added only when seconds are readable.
h=7 m=22 s=38
